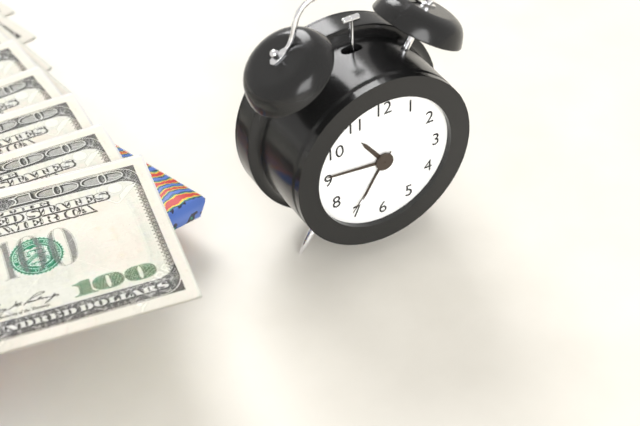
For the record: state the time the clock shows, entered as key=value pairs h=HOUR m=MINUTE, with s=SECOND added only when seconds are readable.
h=10 m=46 s=36
